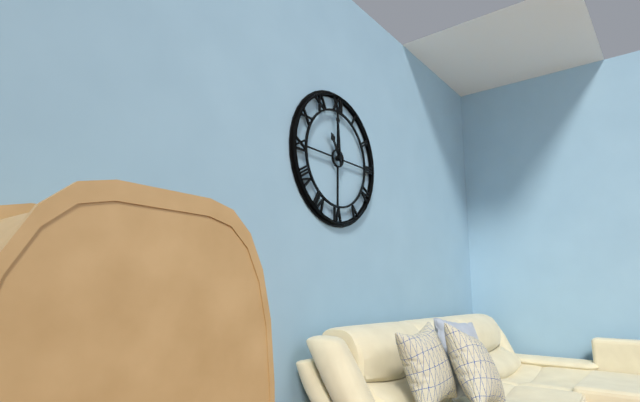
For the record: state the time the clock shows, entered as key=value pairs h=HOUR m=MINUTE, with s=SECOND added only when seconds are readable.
h=10 m=59
